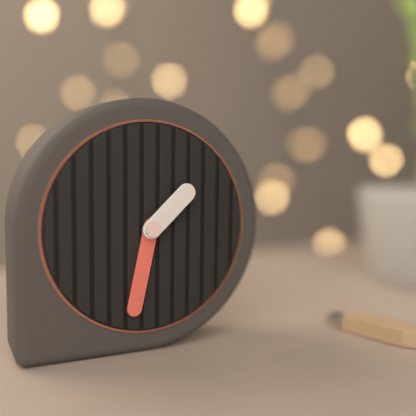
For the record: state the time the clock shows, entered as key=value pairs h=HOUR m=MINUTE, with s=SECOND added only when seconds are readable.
h=1 m=32
